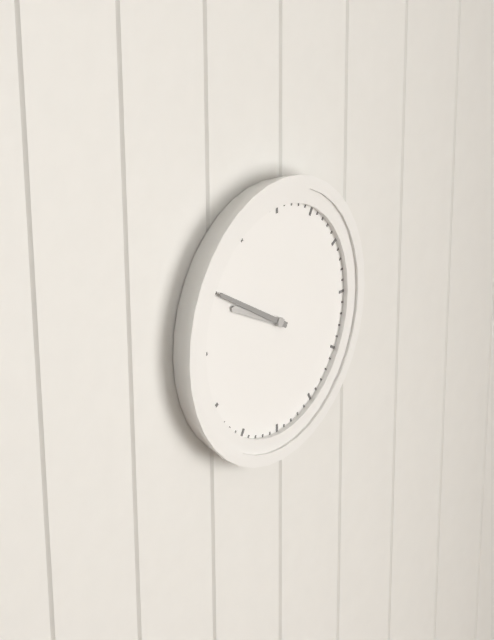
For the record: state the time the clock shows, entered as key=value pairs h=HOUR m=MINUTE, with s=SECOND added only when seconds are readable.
h=9 m=50
